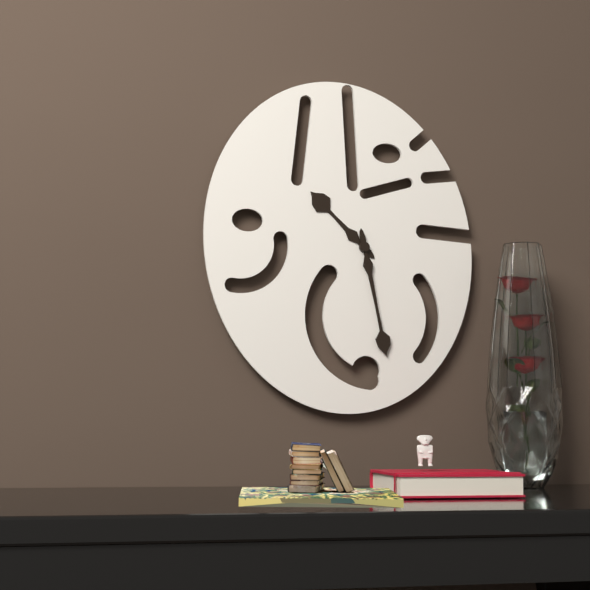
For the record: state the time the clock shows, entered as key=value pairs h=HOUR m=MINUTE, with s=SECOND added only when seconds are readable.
h=10 m=28
